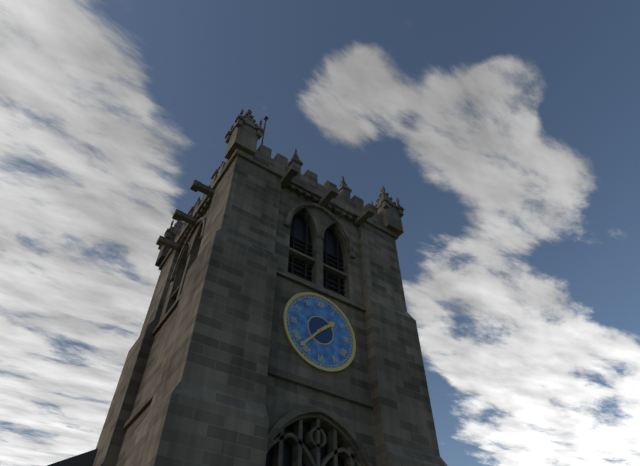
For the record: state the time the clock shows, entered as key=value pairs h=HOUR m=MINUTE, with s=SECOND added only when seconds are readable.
h=1 m=37
